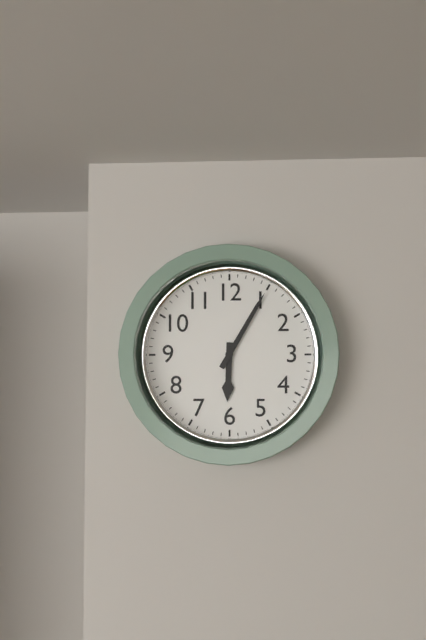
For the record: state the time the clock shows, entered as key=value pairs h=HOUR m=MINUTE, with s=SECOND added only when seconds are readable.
h=6 m=5
